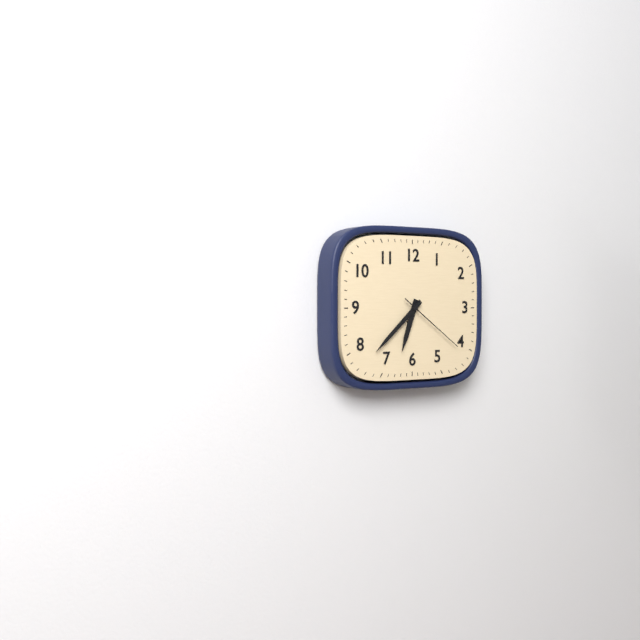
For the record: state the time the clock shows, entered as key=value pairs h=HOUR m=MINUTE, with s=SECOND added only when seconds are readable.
h=6 m=38 s=21
